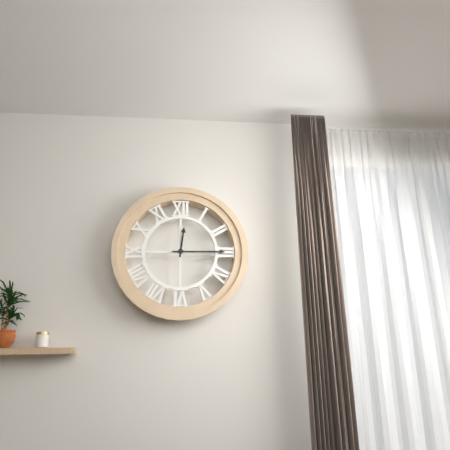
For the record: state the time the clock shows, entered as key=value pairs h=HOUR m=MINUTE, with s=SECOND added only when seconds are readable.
h=12 m=15
